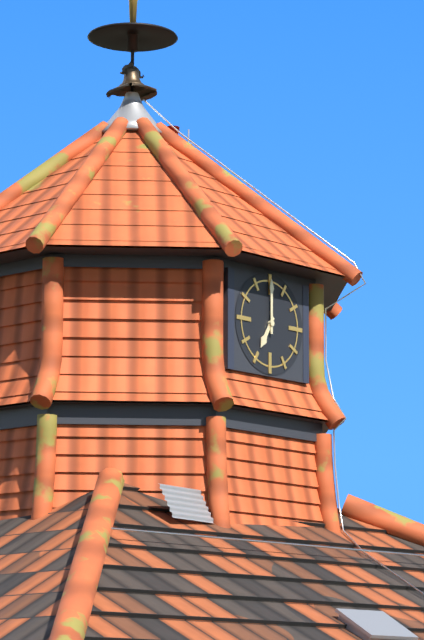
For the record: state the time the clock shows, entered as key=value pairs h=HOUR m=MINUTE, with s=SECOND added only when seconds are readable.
h=7 m=0
